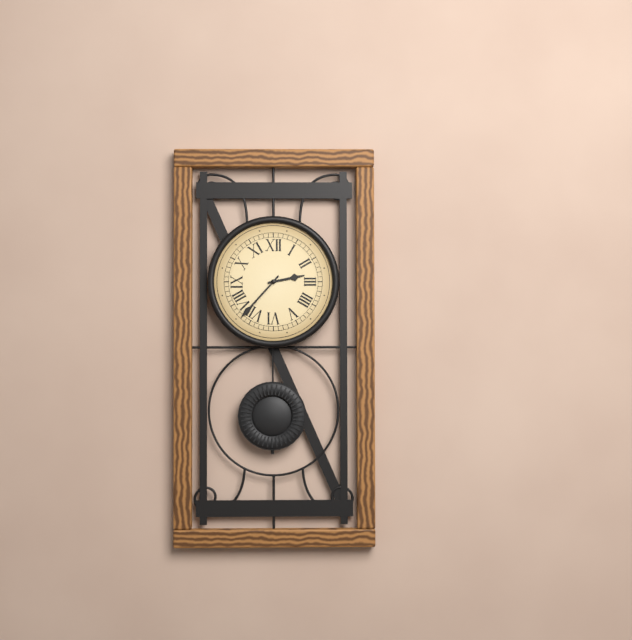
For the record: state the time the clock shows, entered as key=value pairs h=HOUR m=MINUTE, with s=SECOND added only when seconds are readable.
h=2 m=37
